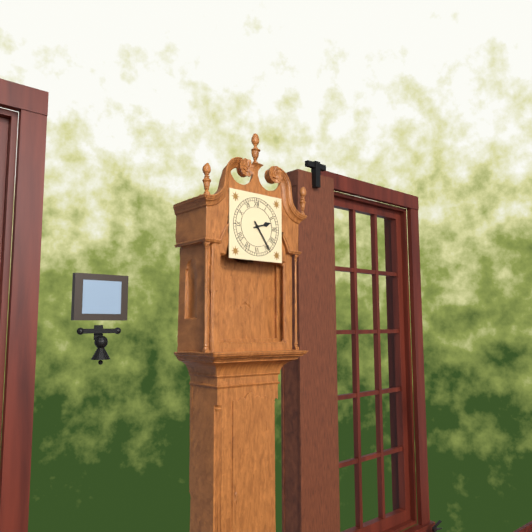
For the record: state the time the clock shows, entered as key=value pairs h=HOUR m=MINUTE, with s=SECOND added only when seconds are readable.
h=2 m=24
